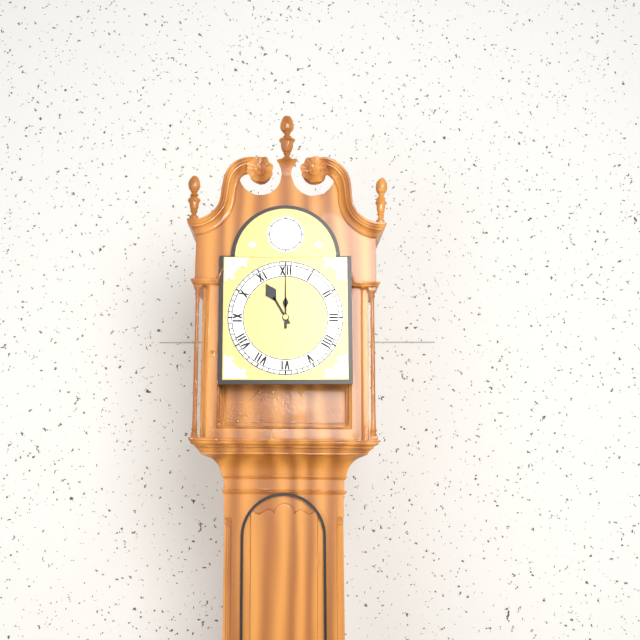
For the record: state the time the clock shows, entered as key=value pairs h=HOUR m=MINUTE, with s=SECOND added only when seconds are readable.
h=11 m=0
